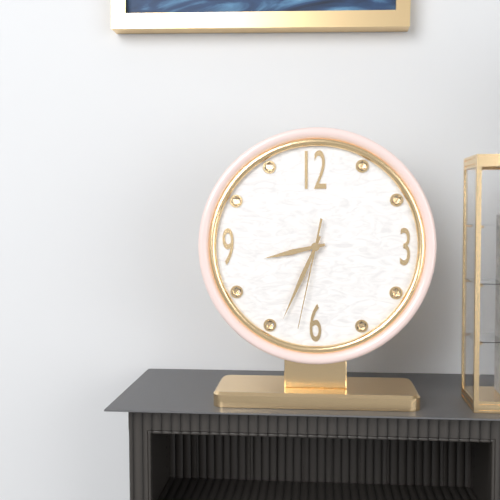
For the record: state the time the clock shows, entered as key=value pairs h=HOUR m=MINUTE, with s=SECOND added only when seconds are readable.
h=8 m=34 s=32
